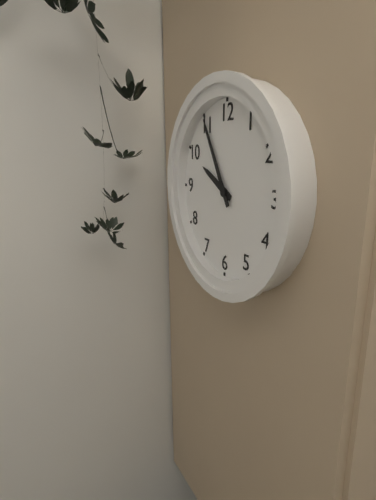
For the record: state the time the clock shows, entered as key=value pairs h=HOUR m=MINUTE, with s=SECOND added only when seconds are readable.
h=9 m=55
